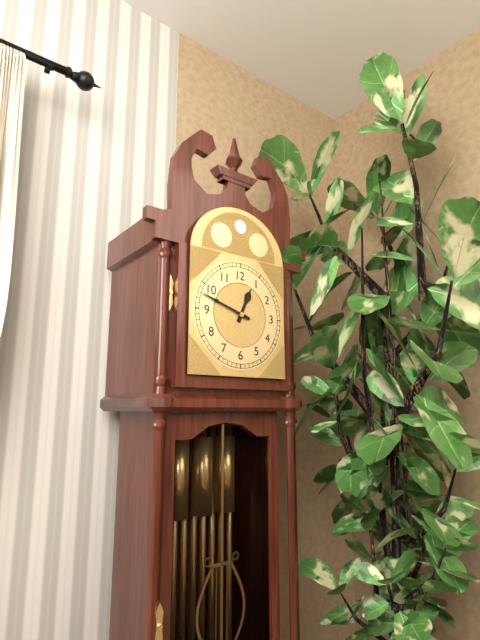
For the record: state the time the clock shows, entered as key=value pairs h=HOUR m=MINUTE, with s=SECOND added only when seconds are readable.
h=12 m=48
